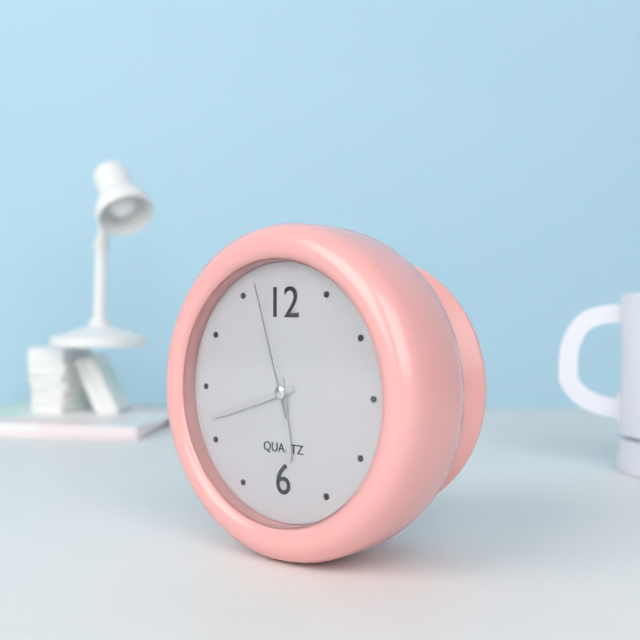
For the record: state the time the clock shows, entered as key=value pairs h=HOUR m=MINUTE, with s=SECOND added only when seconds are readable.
h=5 m=42 s=57
